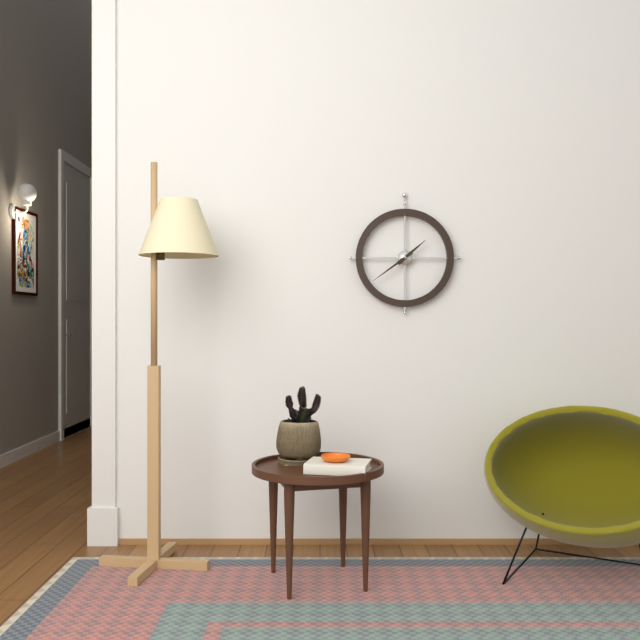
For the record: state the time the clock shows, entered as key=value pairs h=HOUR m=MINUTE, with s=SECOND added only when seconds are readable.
h=1 m=39
